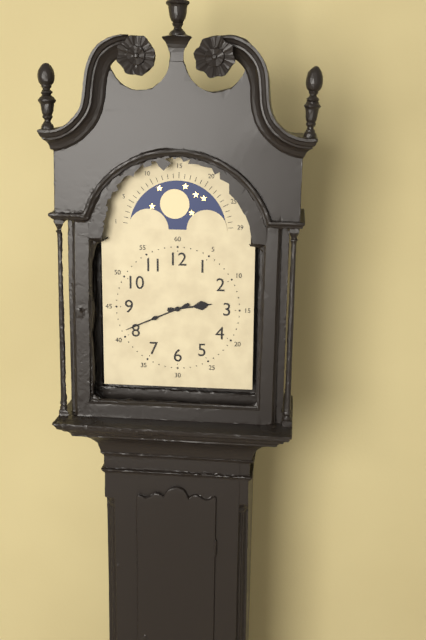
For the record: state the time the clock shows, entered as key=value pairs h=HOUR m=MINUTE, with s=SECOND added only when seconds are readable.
h=2 m=41
